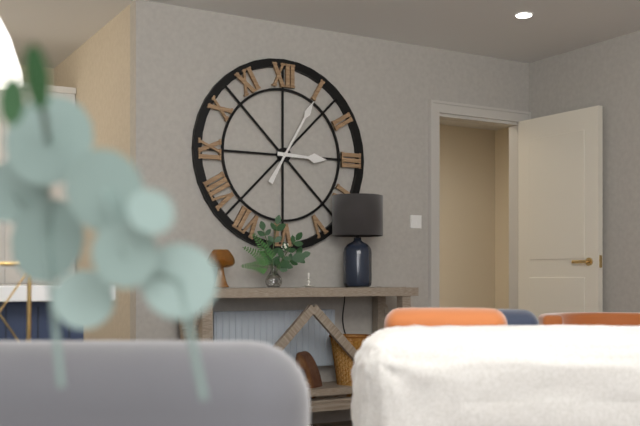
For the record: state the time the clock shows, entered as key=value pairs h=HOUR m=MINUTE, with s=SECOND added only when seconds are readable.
h=3 m=5
